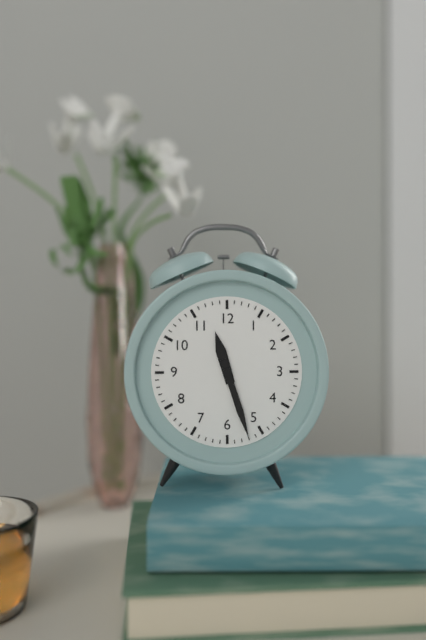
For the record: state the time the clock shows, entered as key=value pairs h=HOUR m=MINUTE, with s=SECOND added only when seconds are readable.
h=11 m=27
